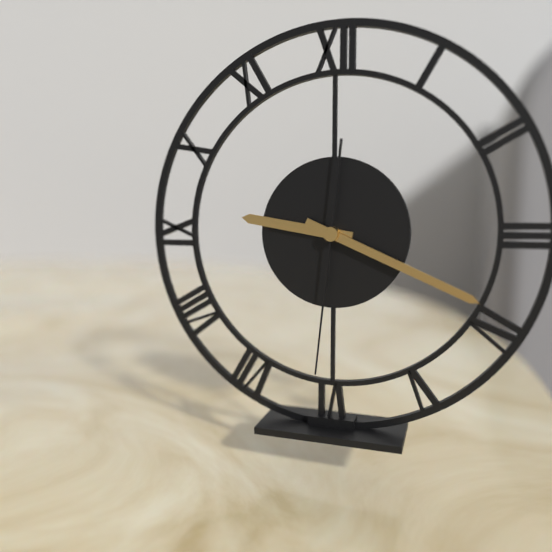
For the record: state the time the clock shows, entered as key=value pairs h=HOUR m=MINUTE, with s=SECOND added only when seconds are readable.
h=9 m=19 s=31
